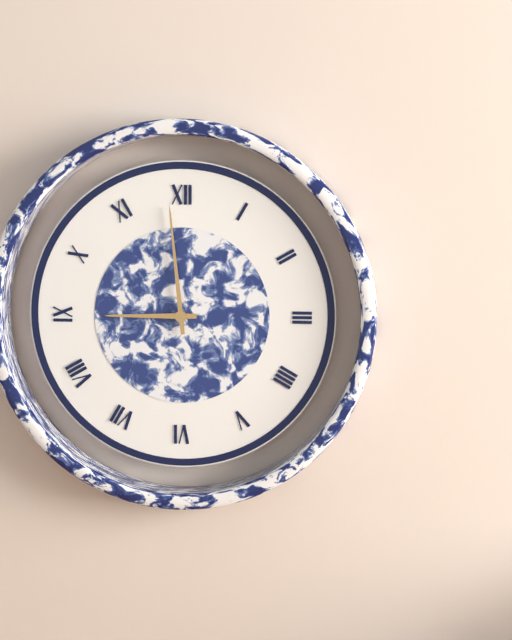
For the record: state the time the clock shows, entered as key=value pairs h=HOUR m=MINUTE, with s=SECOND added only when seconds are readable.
h=8 m=59
